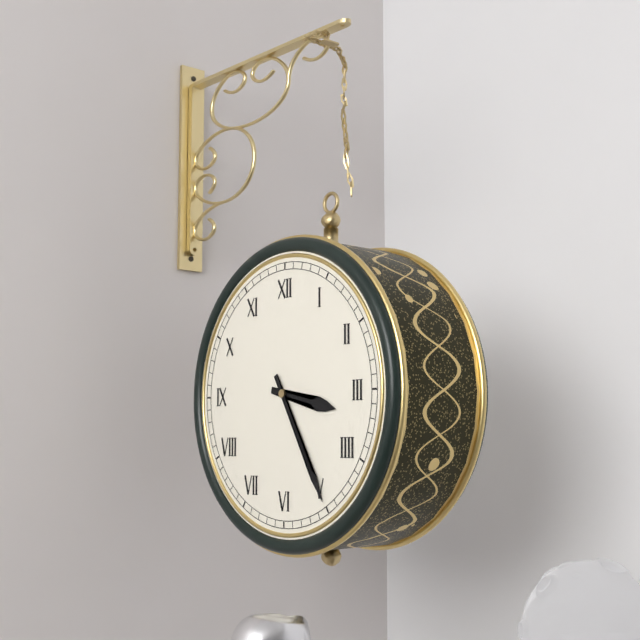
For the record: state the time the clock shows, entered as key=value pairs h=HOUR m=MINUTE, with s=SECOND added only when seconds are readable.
h=3 m=25
